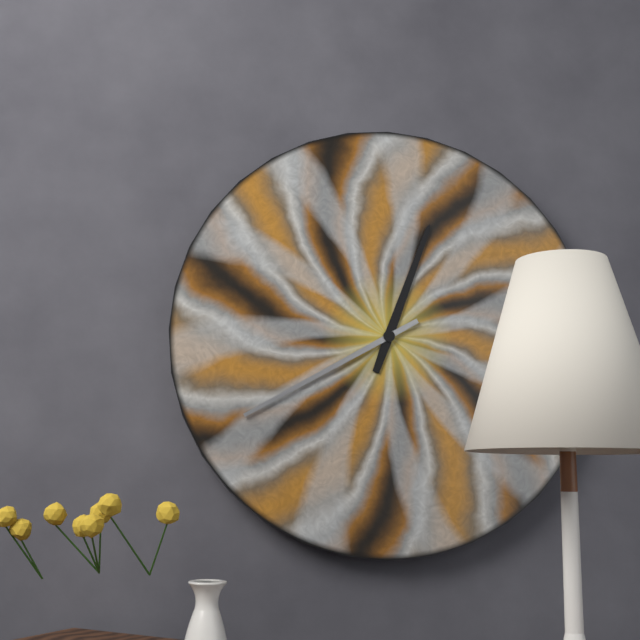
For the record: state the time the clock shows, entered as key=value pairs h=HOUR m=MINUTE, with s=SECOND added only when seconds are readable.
h=12 m=40
